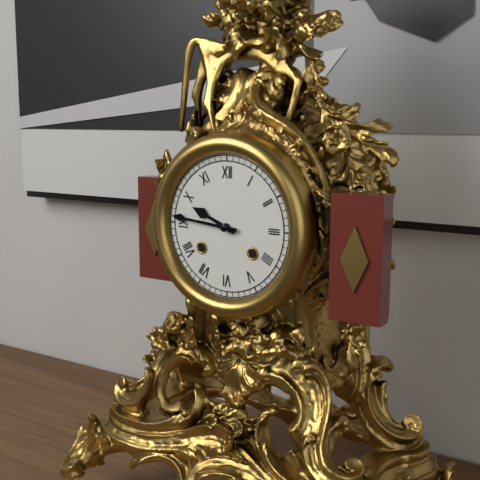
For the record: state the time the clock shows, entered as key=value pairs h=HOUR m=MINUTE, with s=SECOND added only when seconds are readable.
h=9 m=46
